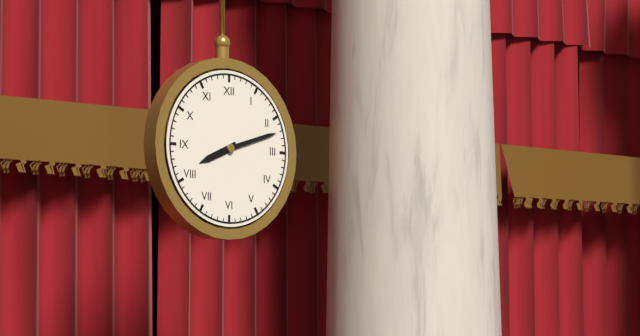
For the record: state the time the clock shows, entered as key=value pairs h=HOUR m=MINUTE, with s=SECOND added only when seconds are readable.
h=8 m=12
